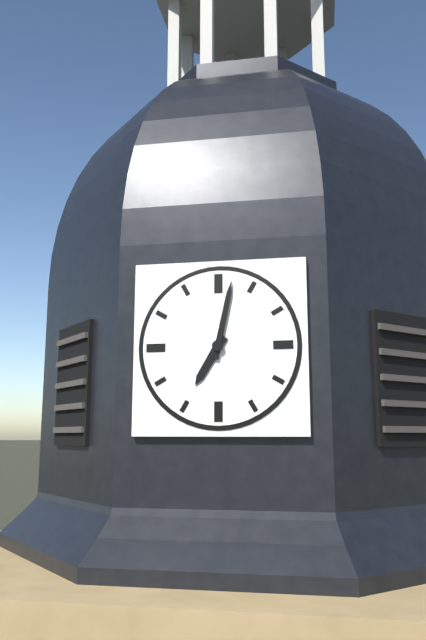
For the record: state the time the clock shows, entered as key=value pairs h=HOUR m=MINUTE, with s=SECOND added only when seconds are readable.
h=7 m=2
